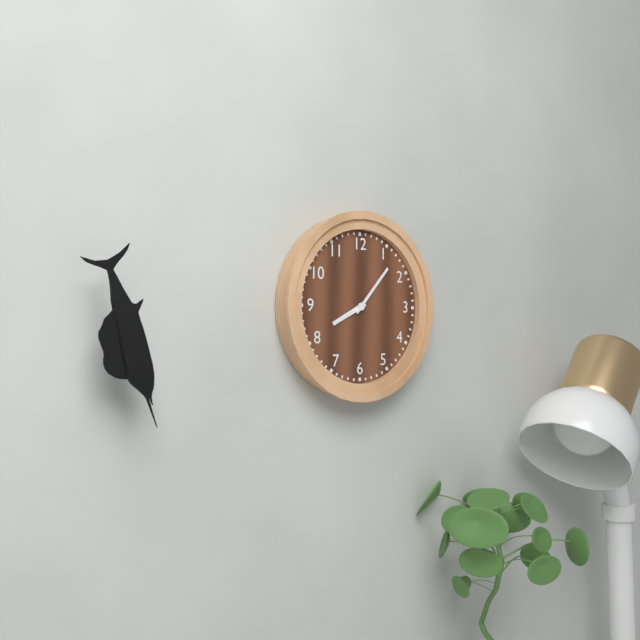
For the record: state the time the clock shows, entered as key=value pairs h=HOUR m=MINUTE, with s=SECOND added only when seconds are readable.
h=8 m=7
